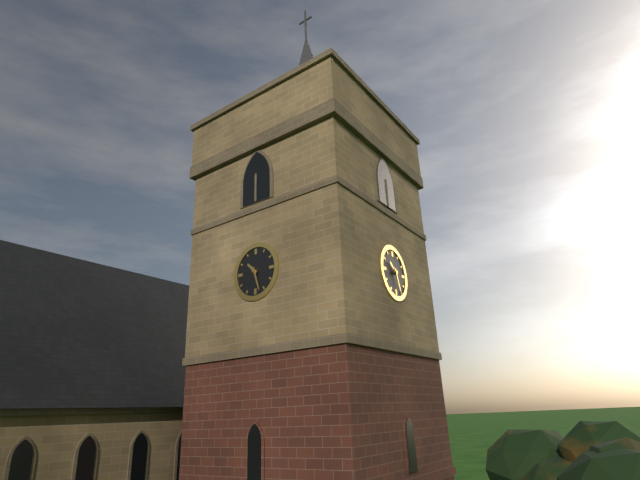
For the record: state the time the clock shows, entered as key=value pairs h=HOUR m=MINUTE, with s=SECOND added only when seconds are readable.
h=10 m=27
